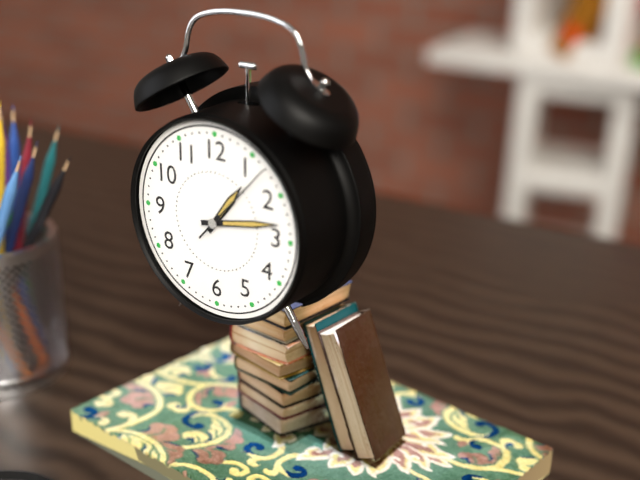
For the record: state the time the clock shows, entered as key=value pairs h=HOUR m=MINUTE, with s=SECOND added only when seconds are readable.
h=1 m=13 s=7
